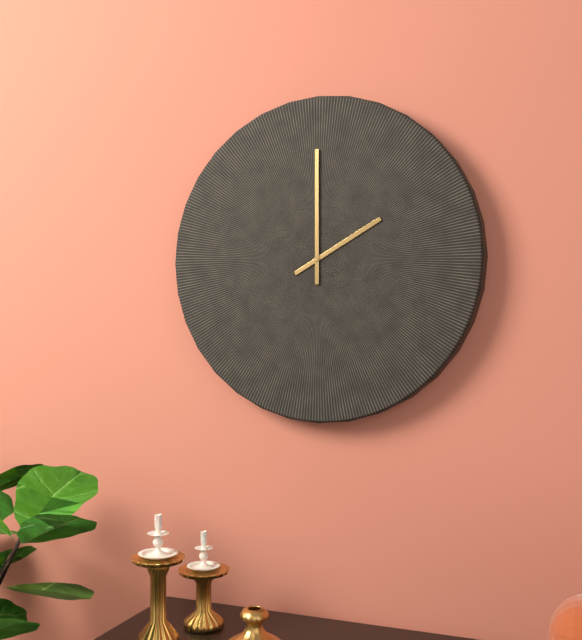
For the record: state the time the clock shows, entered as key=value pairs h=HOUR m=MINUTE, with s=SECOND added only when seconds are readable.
h=2 m=0
